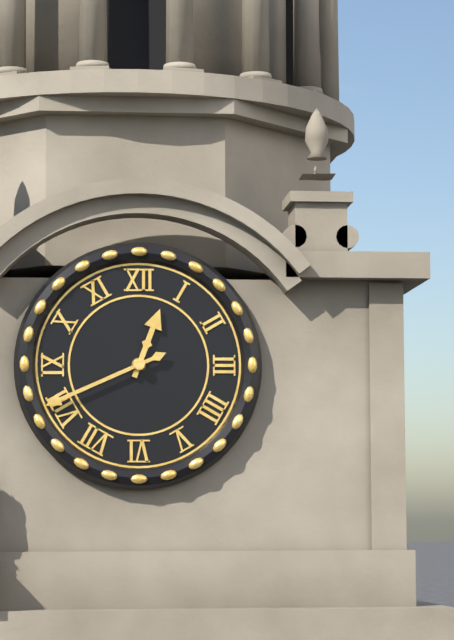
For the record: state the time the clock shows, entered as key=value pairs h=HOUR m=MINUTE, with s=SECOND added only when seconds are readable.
h=12 m=41
